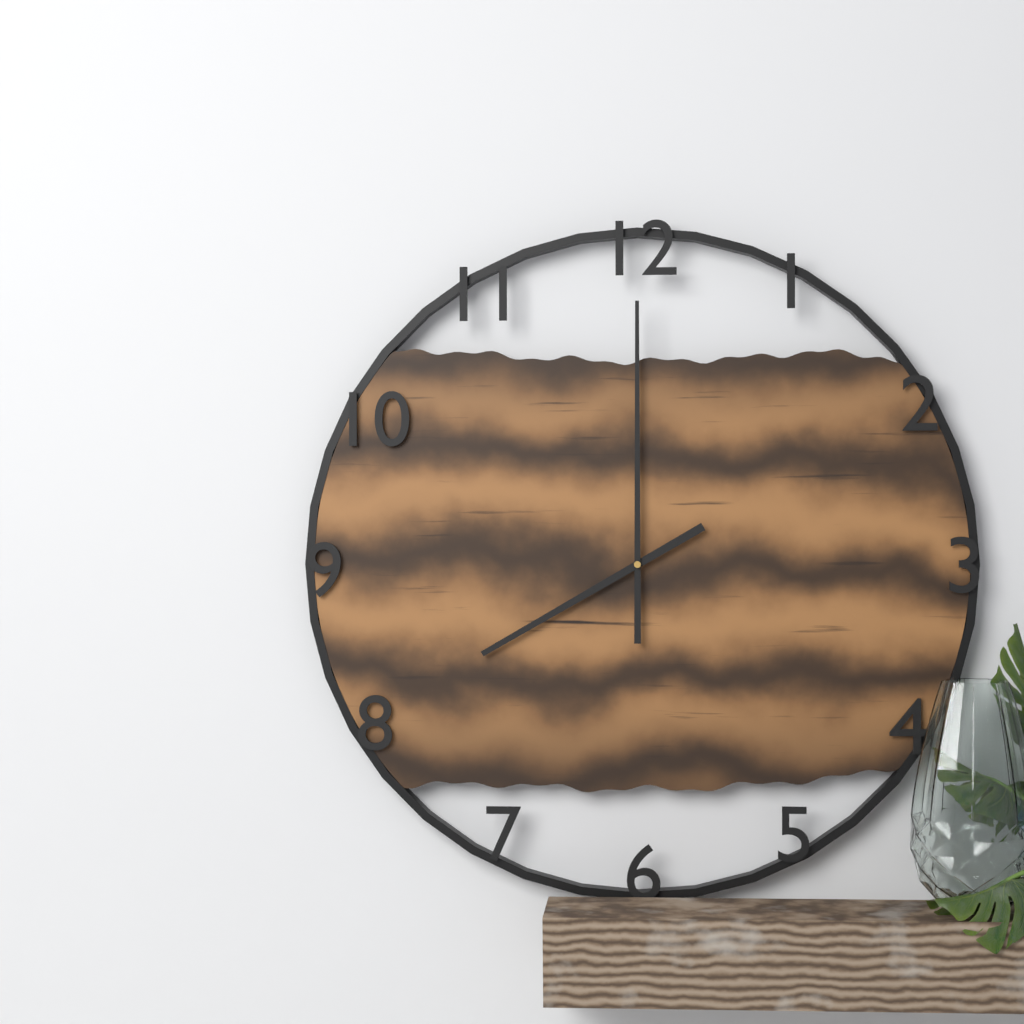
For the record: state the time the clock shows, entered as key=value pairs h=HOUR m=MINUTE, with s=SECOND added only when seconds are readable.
h=8 m=0
